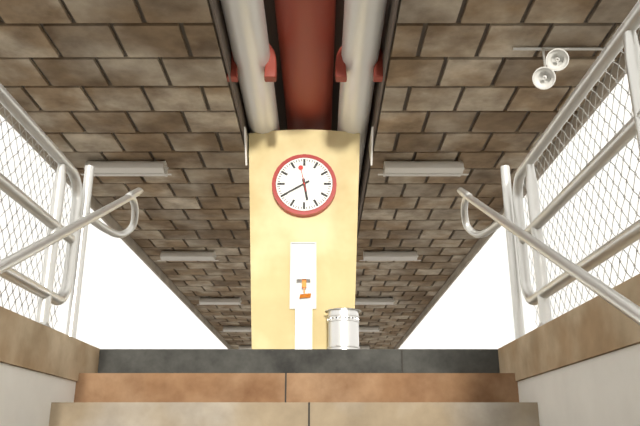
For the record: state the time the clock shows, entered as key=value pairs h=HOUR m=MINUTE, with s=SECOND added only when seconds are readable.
h=5 m=40
